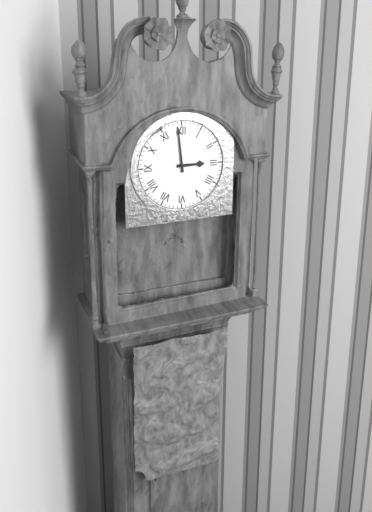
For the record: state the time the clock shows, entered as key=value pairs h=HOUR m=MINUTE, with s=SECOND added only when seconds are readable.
h=2 m=59
